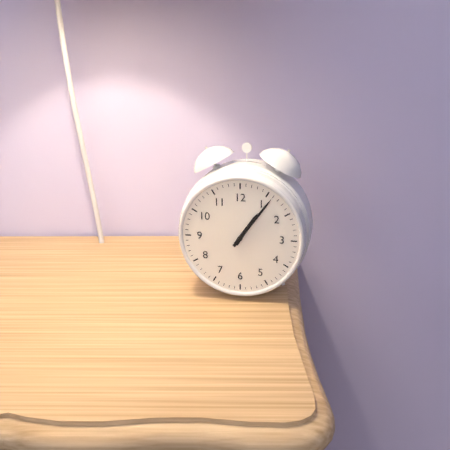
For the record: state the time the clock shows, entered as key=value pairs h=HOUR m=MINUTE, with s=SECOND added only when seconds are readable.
h=1 m=6
